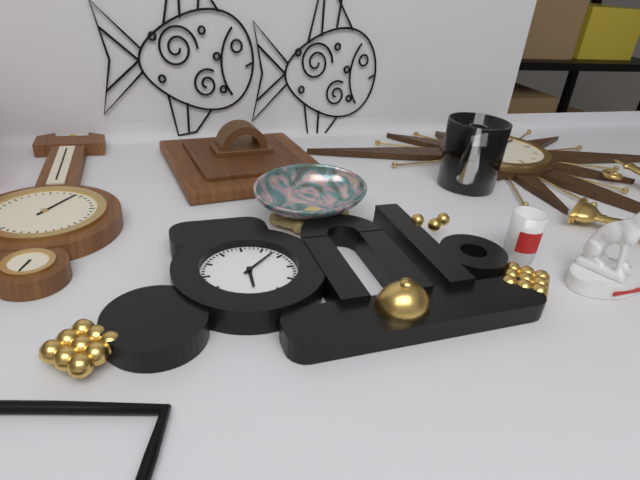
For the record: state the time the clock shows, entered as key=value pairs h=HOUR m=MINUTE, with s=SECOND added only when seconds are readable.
h=6 m=8
